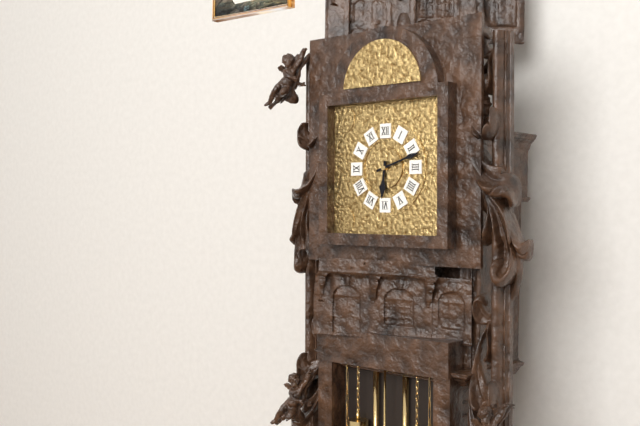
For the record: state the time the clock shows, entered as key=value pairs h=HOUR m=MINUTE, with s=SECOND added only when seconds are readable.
h=6 m=12
